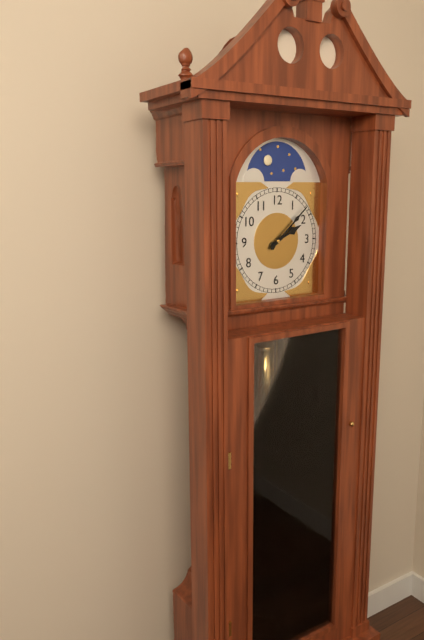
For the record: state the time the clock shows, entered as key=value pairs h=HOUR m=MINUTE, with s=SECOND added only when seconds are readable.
h=2 m=8
